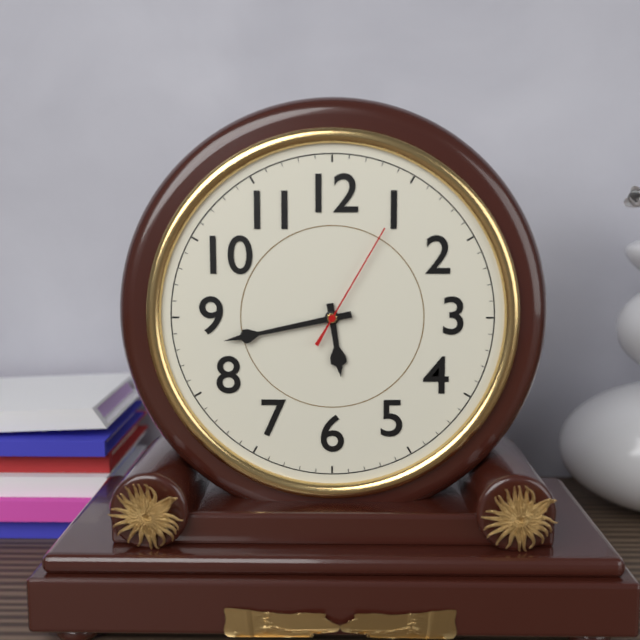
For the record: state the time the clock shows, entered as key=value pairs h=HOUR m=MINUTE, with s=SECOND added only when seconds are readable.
h=5 m=43 s=5
